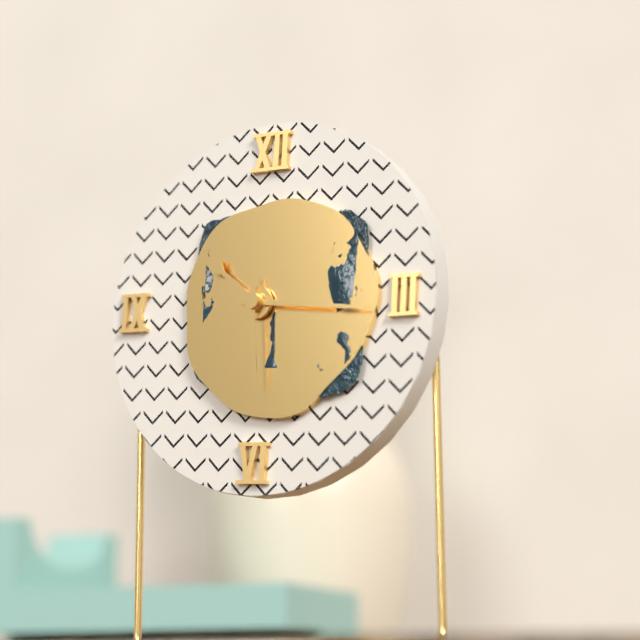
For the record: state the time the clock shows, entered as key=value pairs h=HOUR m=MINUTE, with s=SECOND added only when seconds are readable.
h=10 m=16 s=29
